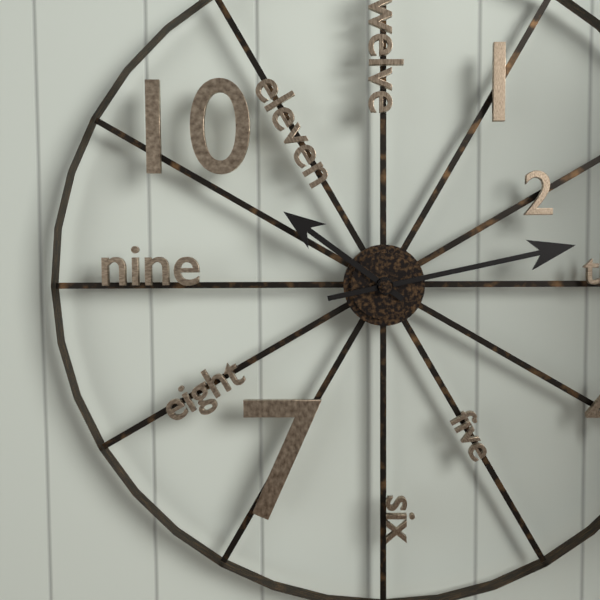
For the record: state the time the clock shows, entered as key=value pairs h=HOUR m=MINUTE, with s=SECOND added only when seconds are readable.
h=10 m=13
